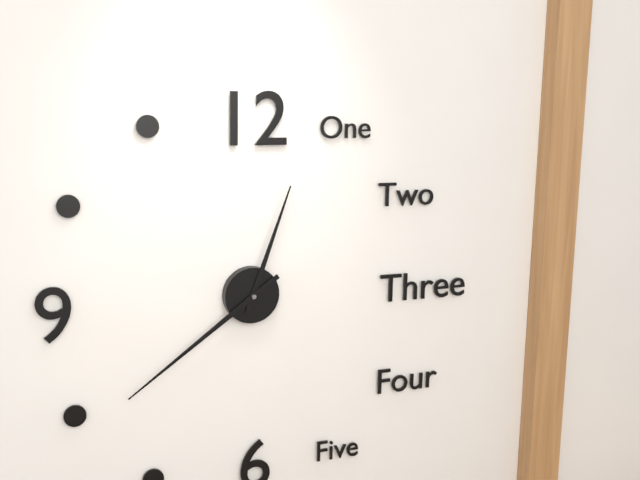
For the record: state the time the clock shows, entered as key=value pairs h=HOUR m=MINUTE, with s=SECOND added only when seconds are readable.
h=12 m=39
